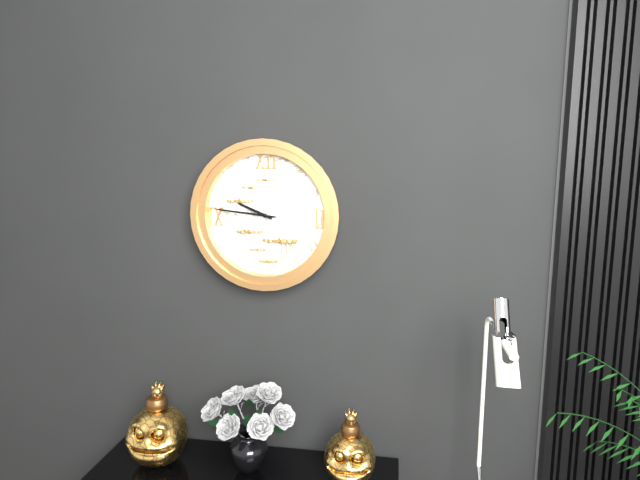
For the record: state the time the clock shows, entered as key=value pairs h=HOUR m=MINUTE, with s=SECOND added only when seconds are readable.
h=9 m=46
